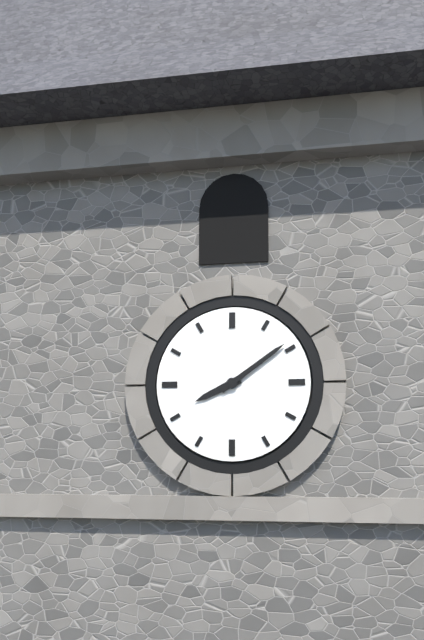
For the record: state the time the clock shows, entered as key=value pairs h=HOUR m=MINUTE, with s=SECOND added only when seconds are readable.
h=8 m=9
